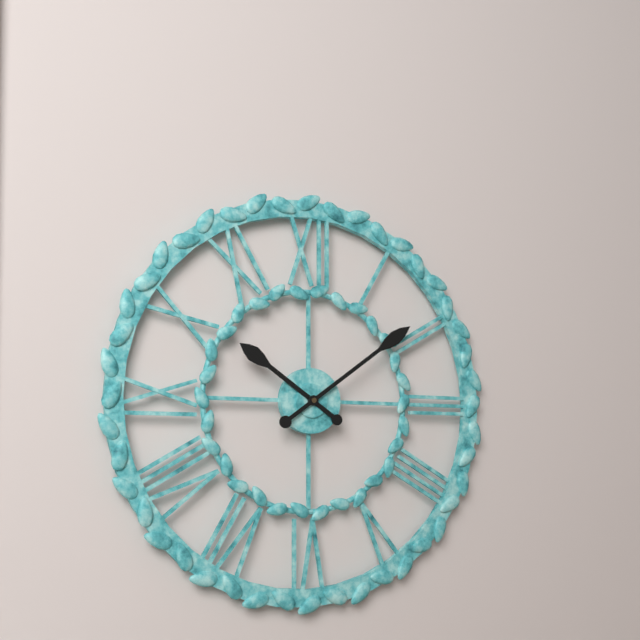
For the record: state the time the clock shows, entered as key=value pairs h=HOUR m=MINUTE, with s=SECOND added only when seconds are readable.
h=10 m=9
